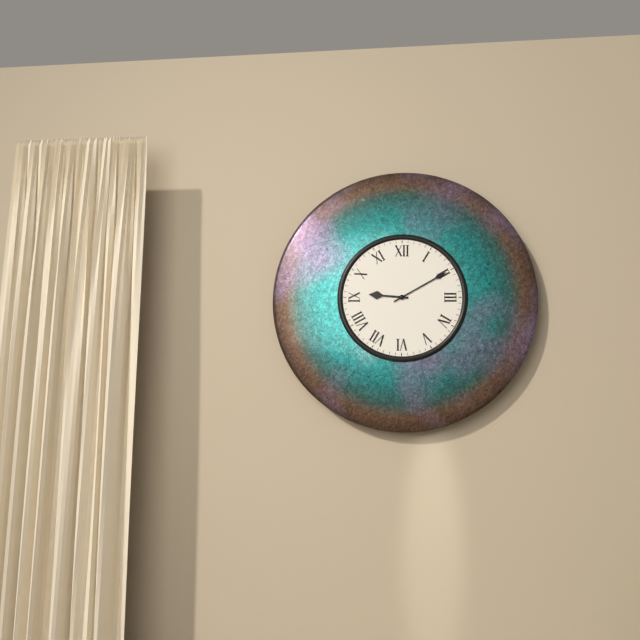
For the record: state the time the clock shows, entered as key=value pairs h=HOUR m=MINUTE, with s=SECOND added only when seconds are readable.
h=9 m=10
